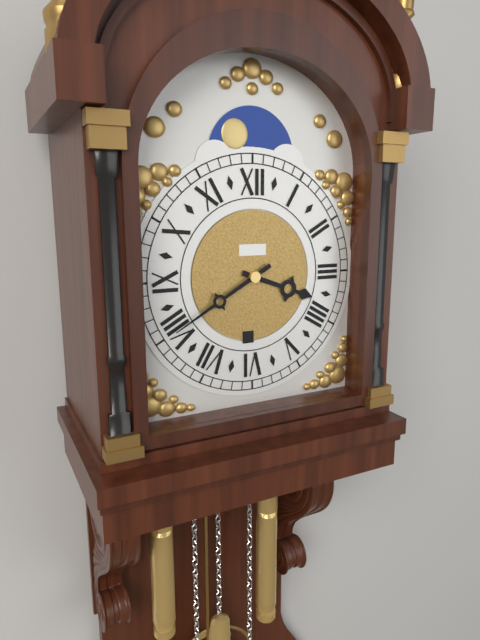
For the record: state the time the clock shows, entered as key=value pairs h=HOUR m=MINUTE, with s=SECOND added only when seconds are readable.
h=3 m=40
